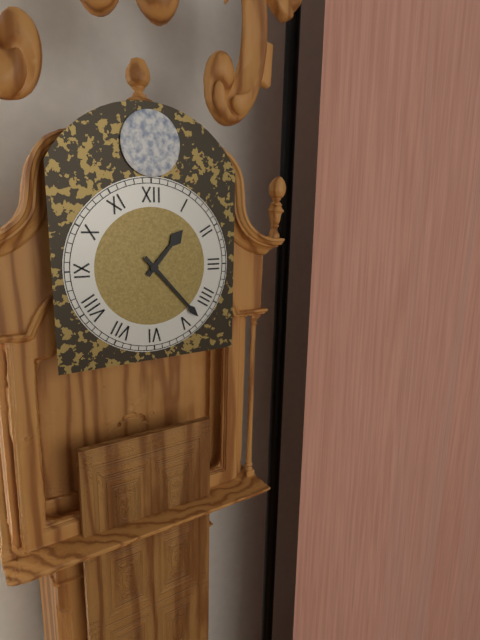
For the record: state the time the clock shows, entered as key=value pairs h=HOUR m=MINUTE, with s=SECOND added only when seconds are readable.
h=1 m=23
